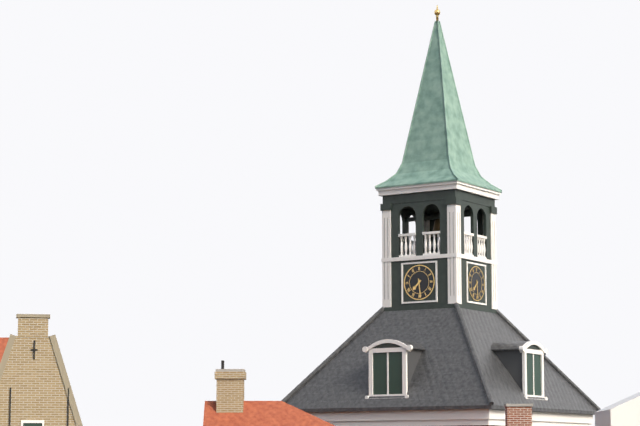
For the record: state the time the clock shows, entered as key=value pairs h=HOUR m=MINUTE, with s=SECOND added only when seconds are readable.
h=7 m=29
